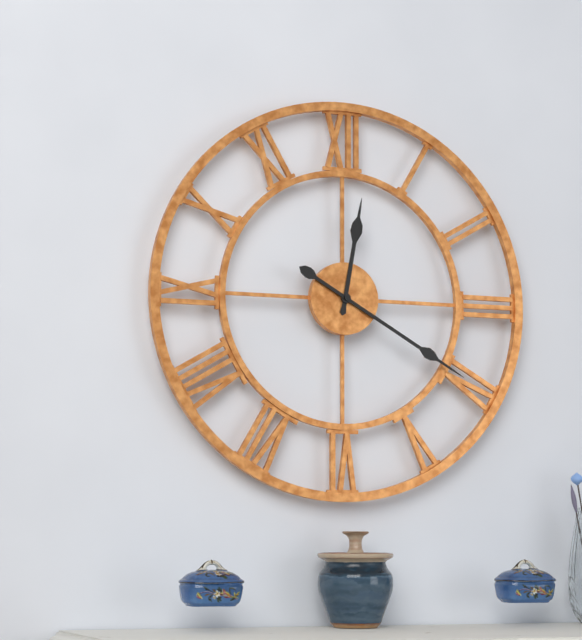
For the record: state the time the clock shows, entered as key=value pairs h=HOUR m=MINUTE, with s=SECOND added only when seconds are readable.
h=12 m=20
